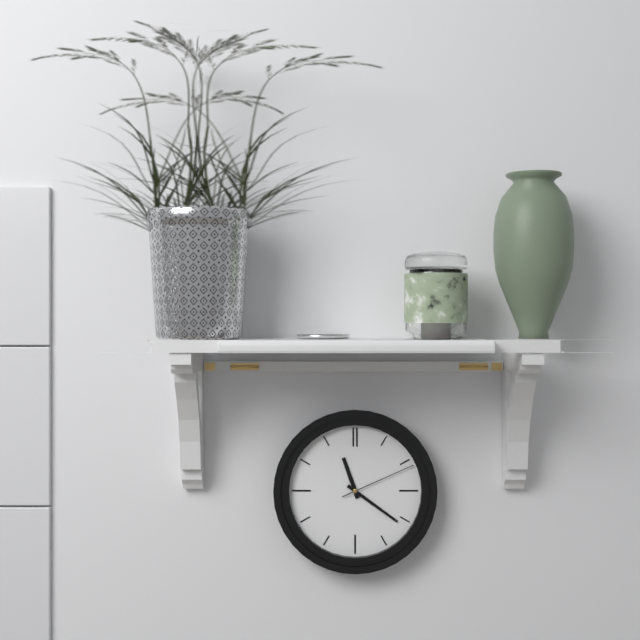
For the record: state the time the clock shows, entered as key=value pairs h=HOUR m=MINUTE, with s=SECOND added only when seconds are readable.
h=11 m=21 s=11
